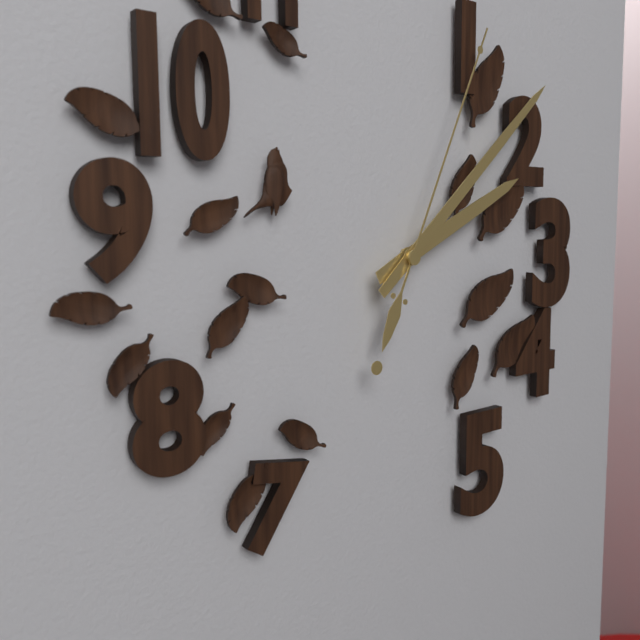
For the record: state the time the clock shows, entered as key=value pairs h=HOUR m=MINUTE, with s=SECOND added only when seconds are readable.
h=2 m=8 s=4
